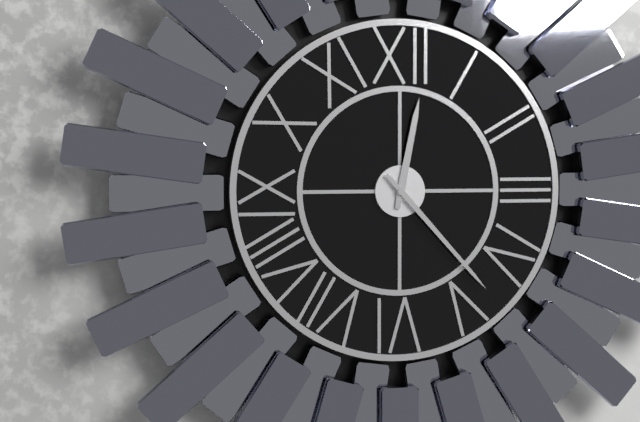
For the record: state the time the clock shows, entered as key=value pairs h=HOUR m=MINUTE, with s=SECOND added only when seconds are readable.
h=12 m=23
